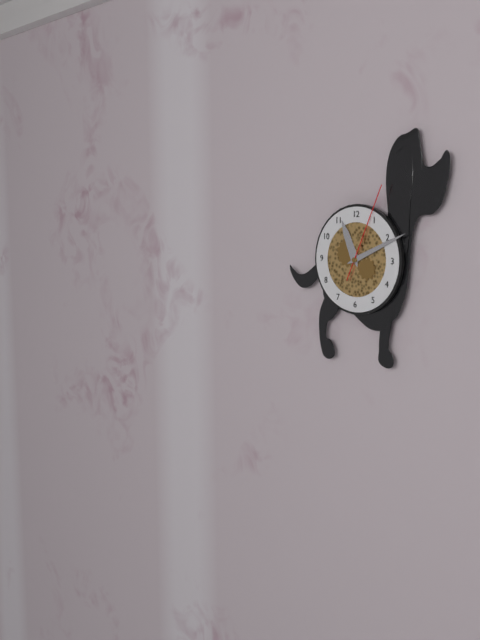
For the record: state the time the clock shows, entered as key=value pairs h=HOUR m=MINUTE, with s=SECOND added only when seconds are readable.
h=11 m=11 s=4
